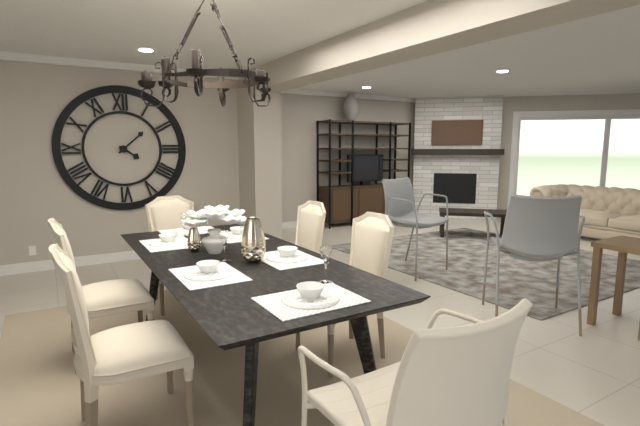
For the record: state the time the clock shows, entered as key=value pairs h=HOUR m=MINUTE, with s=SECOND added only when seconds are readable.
h=4 m=8
